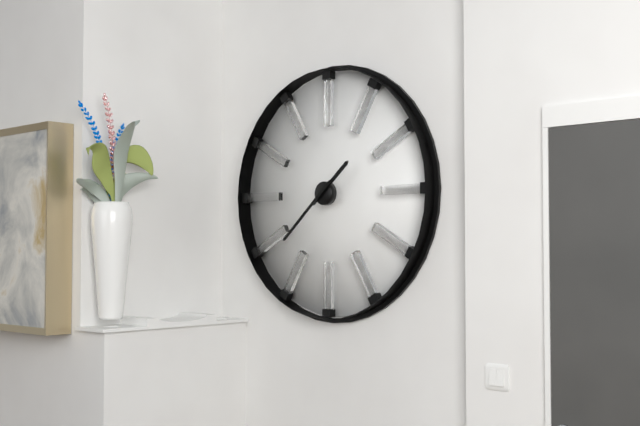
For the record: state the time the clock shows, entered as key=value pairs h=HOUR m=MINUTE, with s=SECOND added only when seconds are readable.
h=1 m=38
